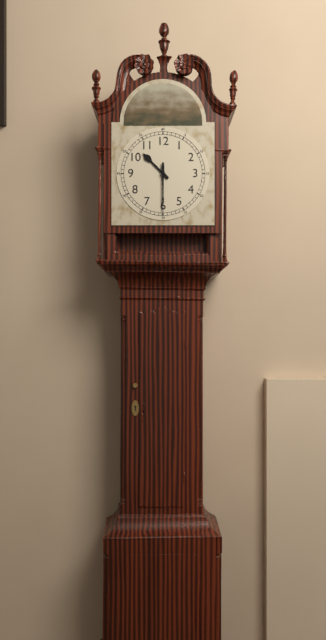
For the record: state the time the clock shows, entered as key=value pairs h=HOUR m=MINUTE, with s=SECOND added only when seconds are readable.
h=10 m=30
